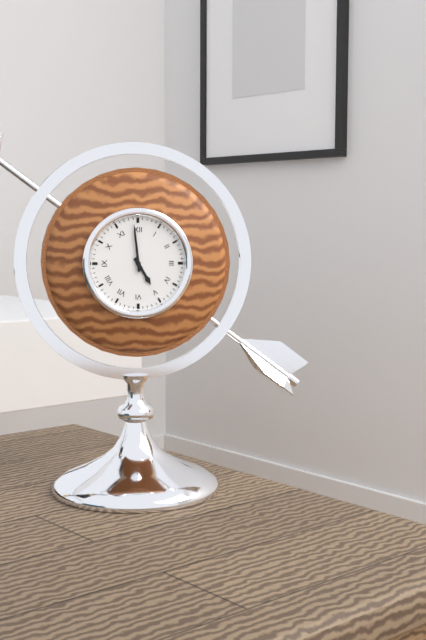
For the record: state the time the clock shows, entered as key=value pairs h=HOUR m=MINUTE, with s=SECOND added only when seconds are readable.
h=4 m=59
